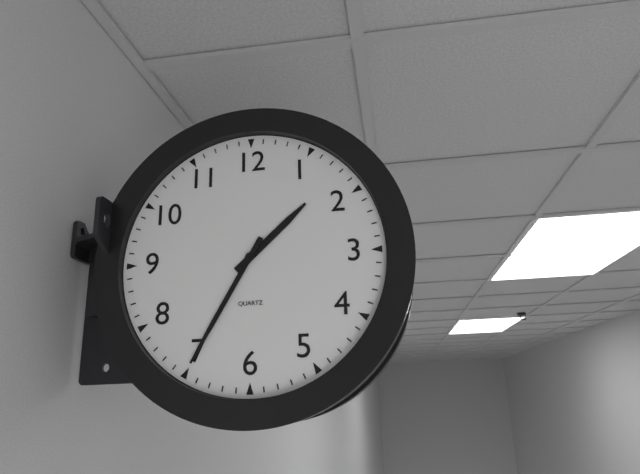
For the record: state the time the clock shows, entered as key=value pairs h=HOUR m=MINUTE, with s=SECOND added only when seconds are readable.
h=1 m=35
